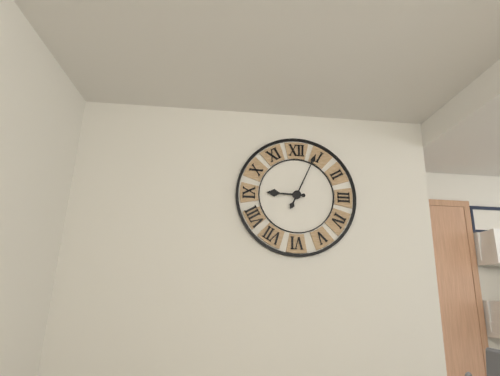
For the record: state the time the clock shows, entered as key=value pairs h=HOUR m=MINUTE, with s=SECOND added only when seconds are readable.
h=9 m=4
